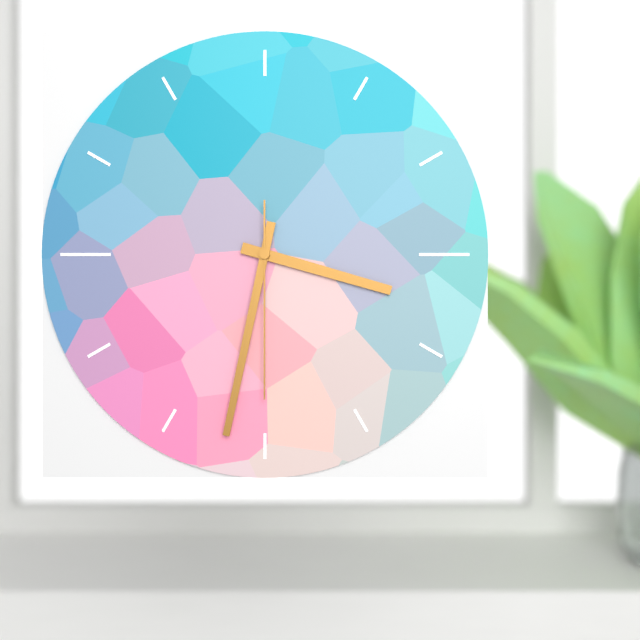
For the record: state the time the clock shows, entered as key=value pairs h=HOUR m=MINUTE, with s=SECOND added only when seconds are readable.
h=3 m=32 s=30
